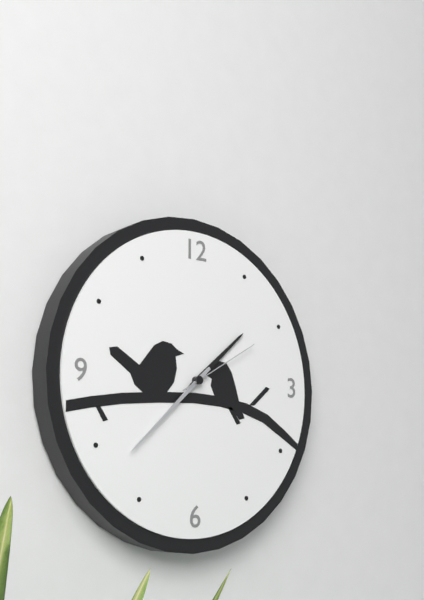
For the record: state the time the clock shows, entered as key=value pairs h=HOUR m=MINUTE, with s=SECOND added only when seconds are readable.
h=1 m=38 s=10
